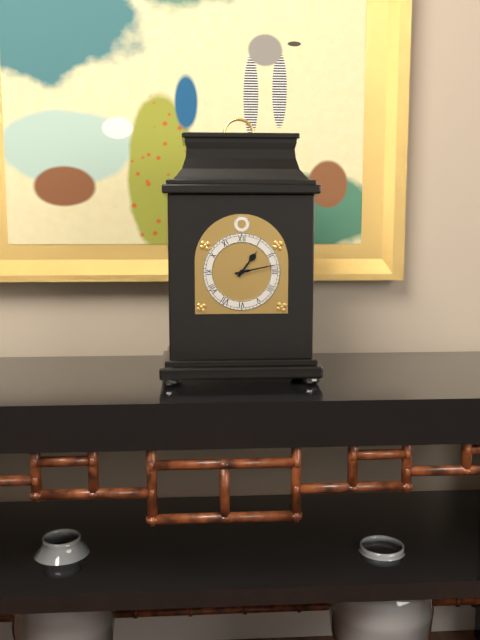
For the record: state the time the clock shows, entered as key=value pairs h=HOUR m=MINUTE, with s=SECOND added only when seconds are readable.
h=1 m=13
